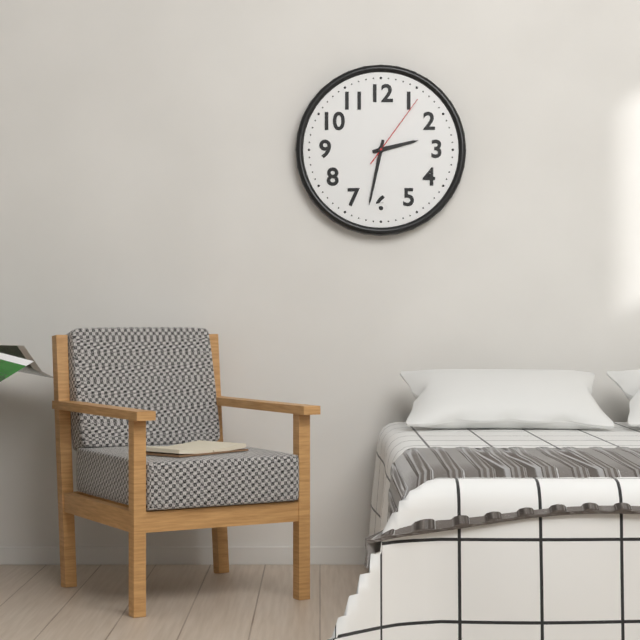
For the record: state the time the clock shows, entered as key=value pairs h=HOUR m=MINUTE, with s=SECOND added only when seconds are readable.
h=2 m=32 s=6
